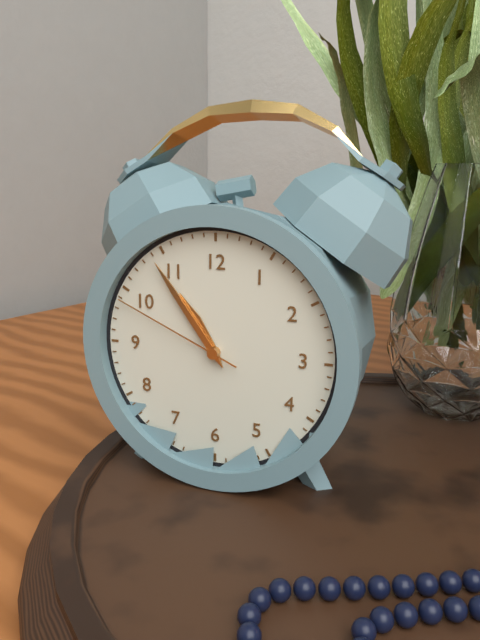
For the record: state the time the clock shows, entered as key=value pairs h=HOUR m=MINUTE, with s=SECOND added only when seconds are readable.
h=10 m=54 s=49
